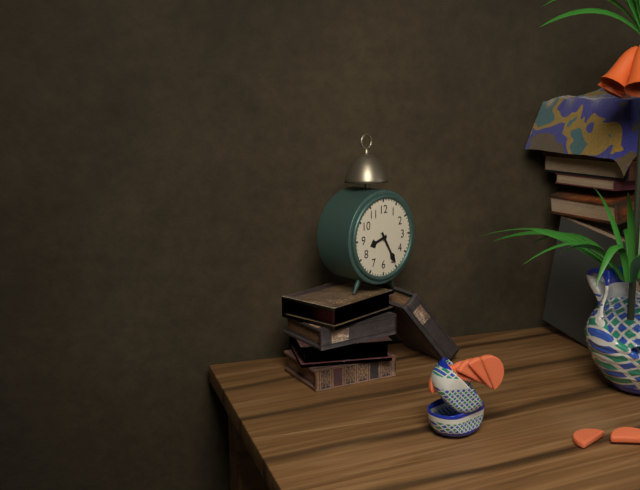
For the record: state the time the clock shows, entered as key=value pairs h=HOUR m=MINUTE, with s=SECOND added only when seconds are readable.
h=8 m=25
